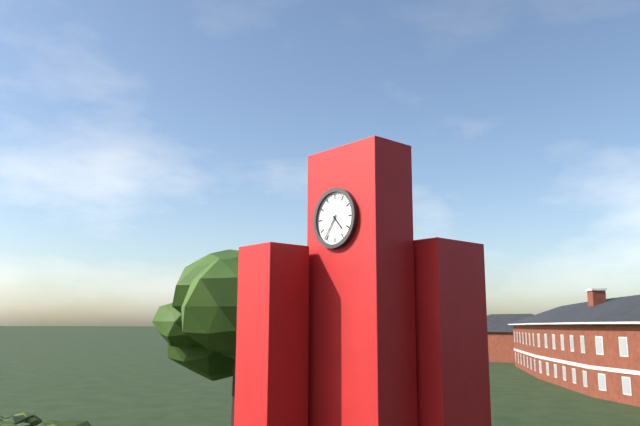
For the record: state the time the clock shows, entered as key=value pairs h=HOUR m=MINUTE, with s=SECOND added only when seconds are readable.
h=4 m=36
